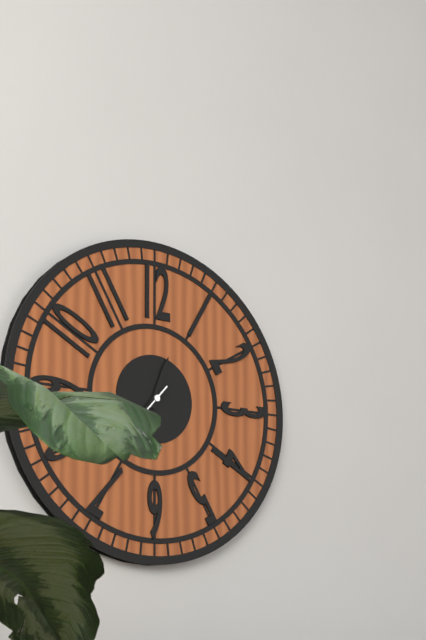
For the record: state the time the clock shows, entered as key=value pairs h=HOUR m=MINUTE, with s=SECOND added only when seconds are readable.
h=12 m=37 s=37
